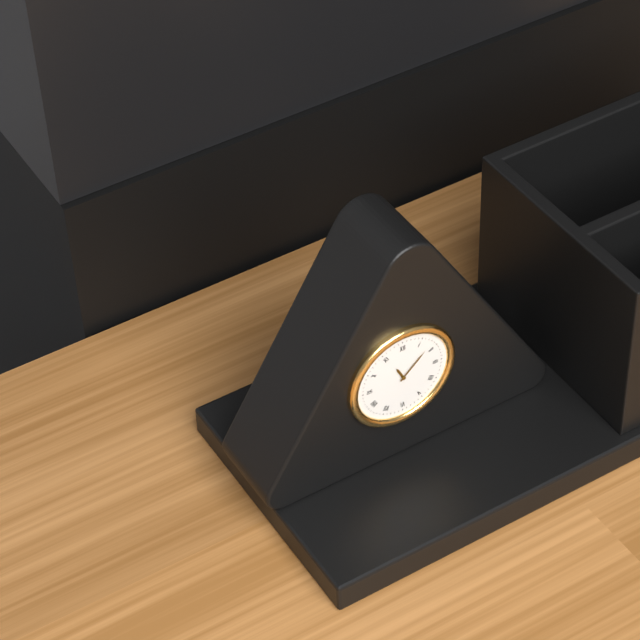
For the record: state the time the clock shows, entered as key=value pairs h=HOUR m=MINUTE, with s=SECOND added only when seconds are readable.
h=11 m=8
